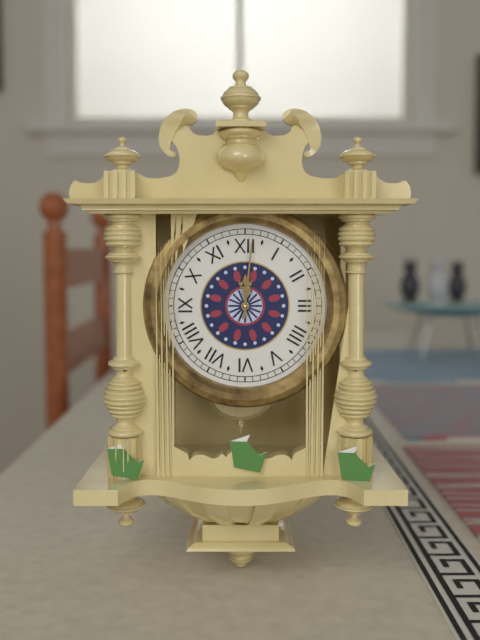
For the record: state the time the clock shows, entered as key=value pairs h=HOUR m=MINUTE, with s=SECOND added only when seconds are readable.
h=12 m=1
